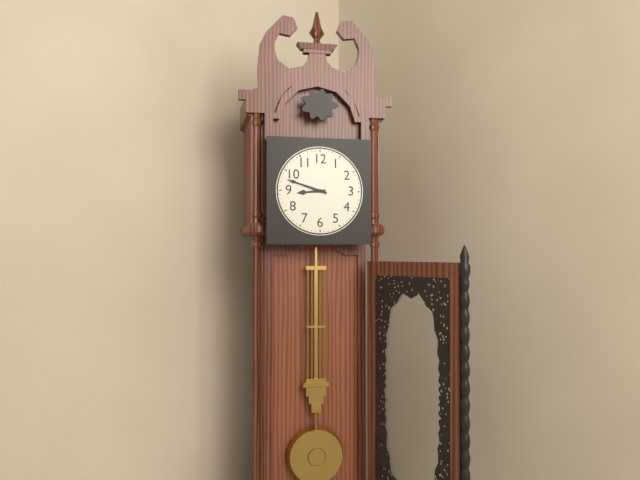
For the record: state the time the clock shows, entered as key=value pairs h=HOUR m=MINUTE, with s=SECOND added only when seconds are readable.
h=8 m=48
